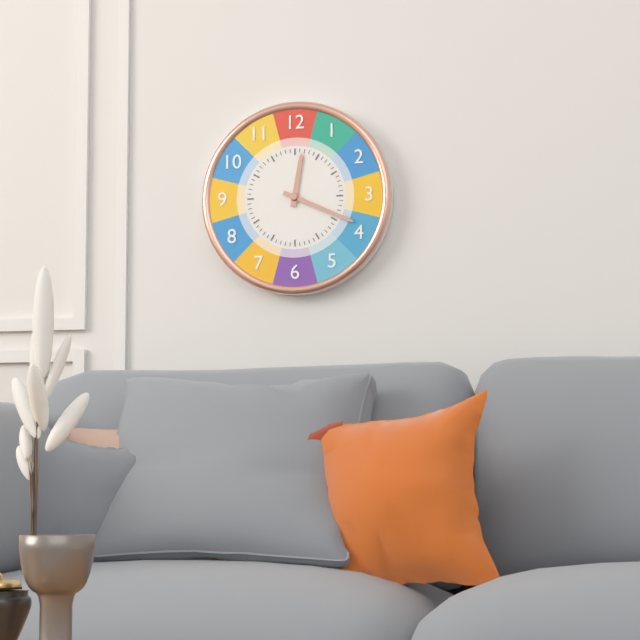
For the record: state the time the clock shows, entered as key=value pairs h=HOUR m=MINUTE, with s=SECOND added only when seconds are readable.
h=12 m=19
